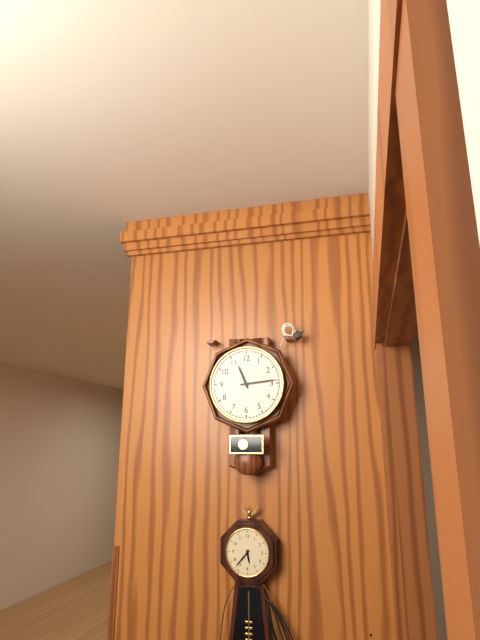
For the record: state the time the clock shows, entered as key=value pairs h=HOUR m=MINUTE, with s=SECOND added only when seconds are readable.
h=11 m=14
